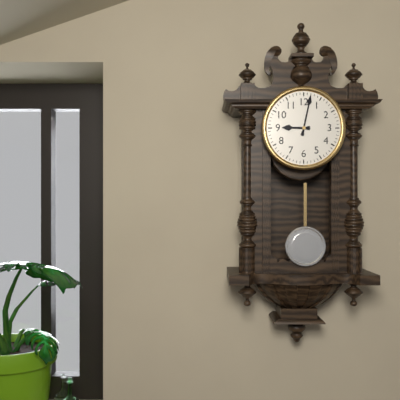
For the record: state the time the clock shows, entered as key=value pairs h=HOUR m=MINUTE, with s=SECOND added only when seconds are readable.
h=9 m=2
